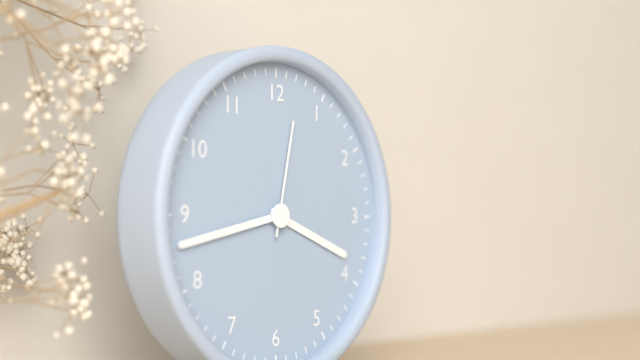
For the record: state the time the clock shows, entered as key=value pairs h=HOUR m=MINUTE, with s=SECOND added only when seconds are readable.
h=3 m=43 s=2
